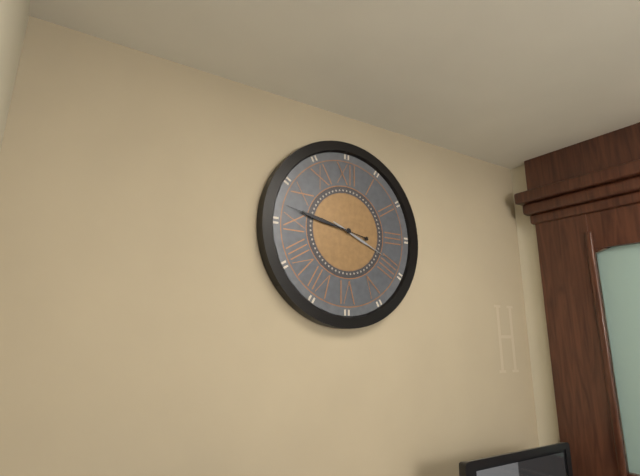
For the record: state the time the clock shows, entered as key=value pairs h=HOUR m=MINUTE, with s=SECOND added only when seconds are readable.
h=3 m=47
